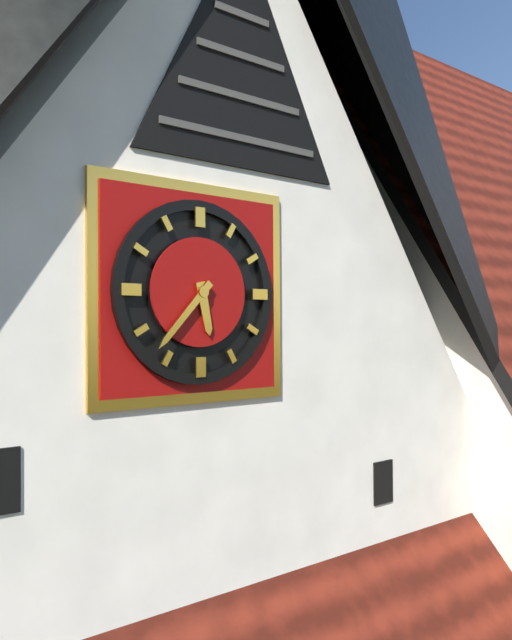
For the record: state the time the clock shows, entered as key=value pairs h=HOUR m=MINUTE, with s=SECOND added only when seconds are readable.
h=5 m=37
